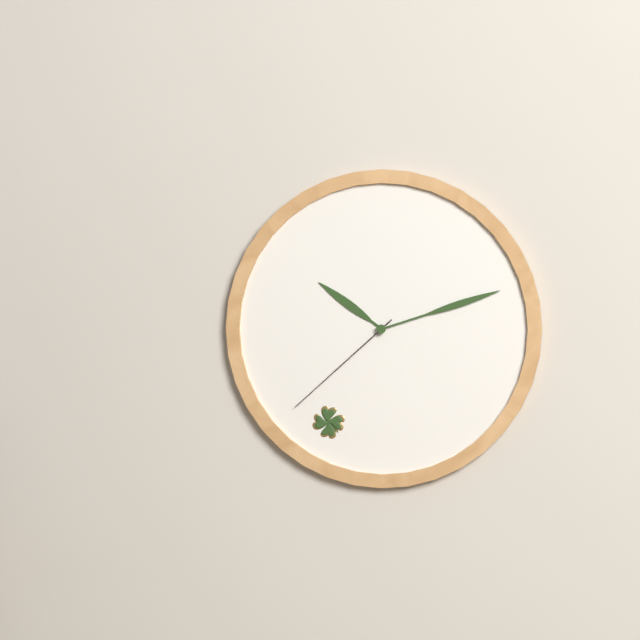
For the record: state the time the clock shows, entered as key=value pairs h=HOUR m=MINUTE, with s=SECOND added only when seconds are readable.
h=10 m=12 s=38
